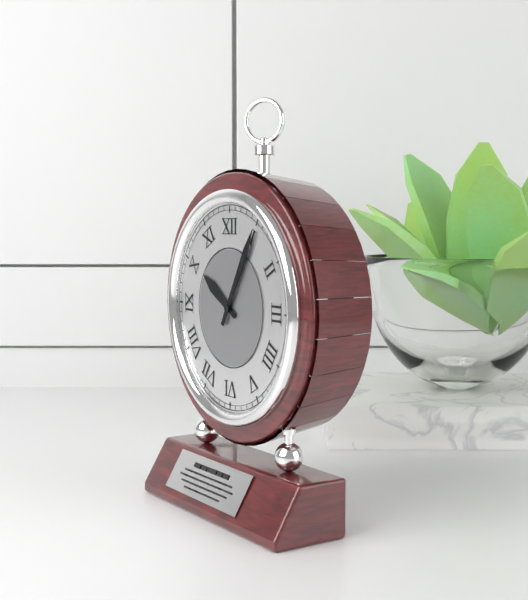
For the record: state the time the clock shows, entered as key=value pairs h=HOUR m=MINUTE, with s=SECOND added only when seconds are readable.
h=10 m=5
